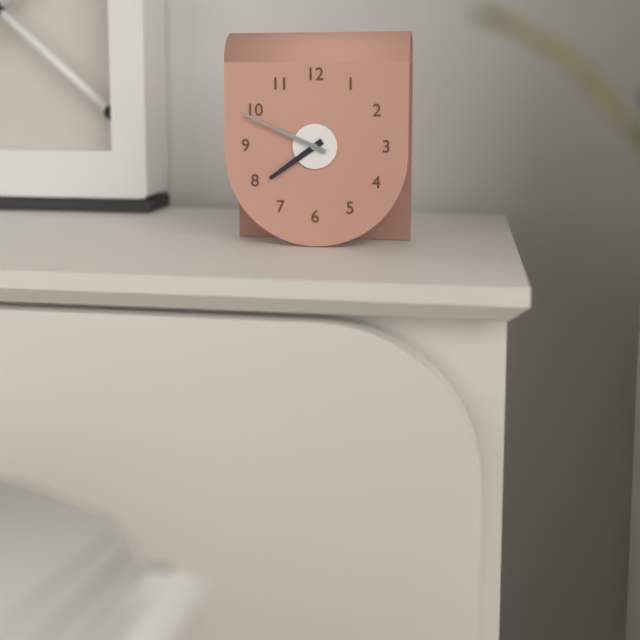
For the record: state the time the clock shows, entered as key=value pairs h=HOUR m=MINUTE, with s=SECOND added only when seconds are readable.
h=7 m=49
